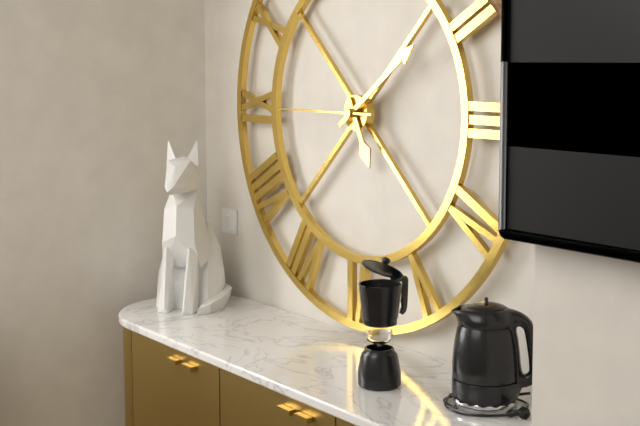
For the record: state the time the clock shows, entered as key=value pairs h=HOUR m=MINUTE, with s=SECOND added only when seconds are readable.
h=5 m=9 s=45
